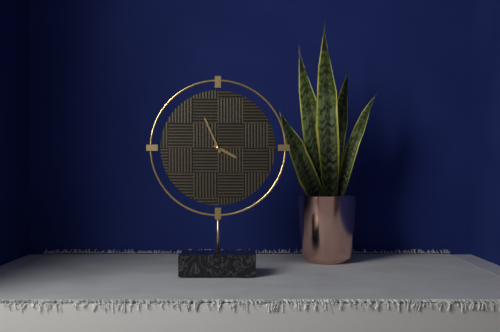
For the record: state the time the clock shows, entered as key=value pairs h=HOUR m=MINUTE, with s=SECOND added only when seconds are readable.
h=3 m=56
